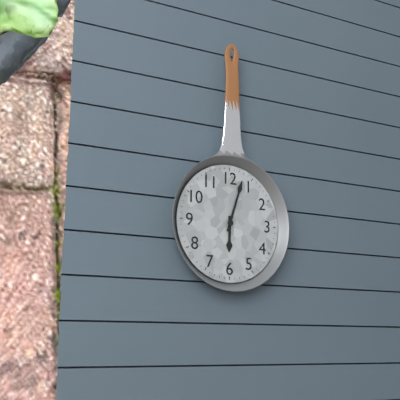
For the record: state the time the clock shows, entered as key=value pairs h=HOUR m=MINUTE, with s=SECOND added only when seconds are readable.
h=6 m=3
